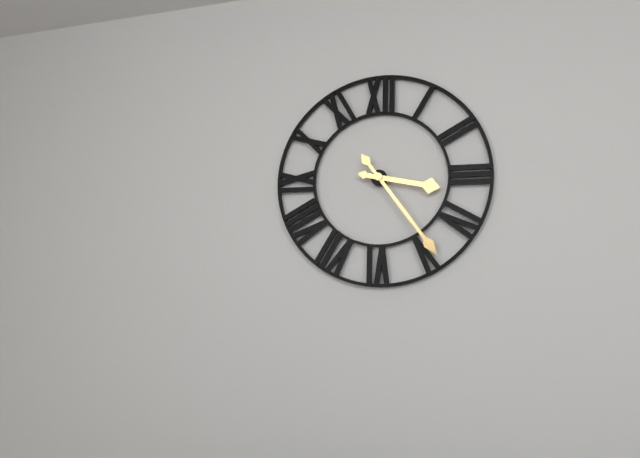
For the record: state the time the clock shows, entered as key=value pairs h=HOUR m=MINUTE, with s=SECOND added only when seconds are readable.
h=3 m=24
